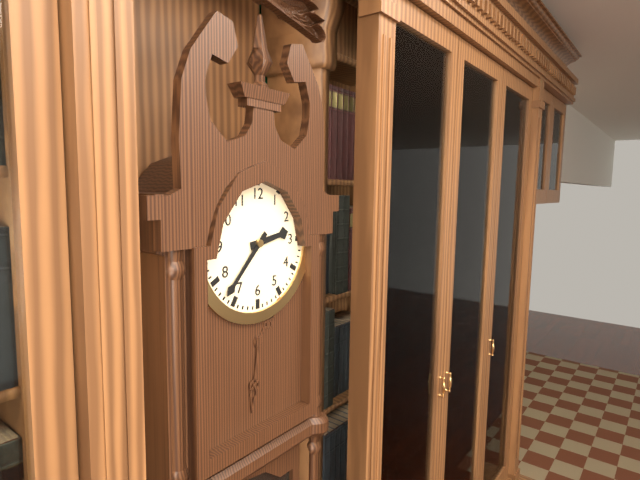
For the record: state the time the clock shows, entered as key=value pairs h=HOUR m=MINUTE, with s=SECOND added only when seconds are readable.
h=2 m=37
